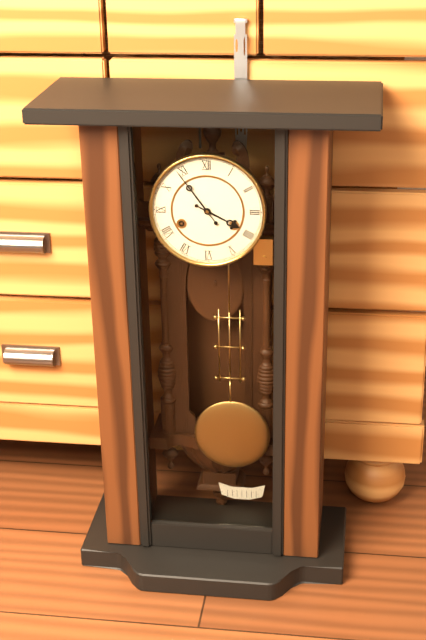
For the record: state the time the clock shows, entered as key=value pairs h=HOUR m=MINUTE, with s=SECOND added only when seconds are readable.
h=3 m=54
